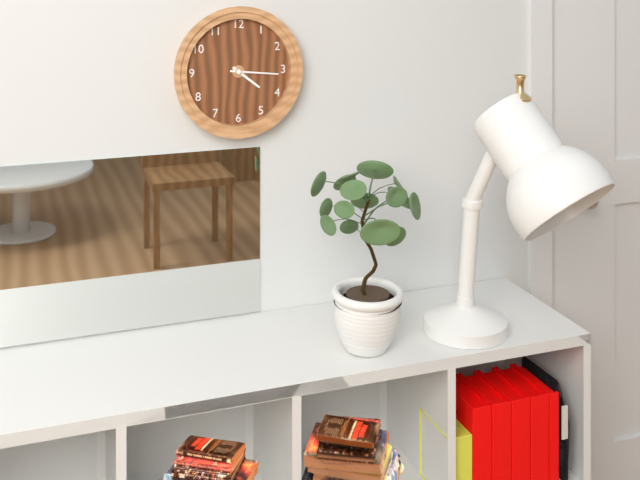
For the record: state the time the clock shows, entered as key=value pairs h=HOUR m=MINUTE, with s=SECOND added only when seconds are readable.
h=4 m=16
